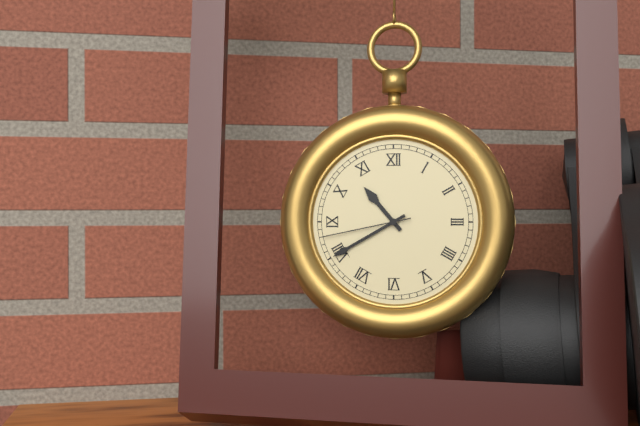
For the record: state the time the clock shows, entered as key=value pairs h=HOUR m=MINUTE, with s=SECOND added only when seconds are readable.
h=10 m=40 s=43
